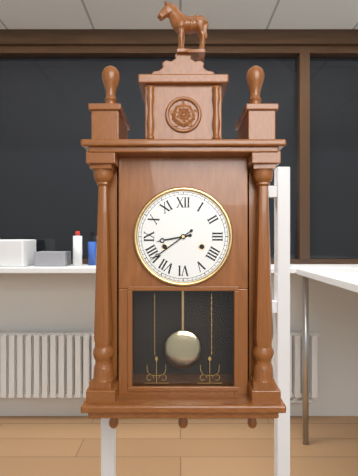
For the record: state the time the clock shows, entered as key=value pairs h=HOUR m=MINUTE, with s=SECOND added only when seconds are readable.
h=8 m=39
